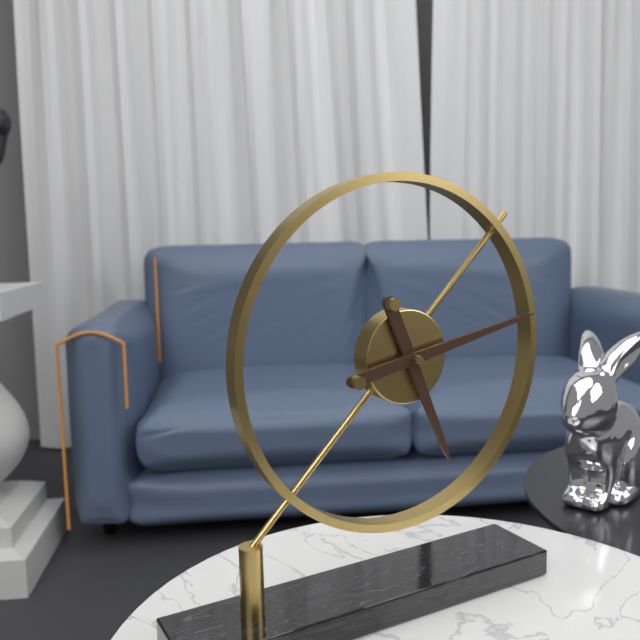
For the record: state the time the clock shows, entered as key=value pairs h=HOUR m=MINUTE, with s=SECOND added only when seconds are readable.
h=5 m=13
